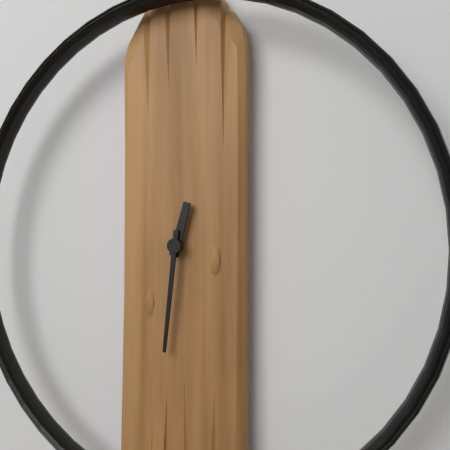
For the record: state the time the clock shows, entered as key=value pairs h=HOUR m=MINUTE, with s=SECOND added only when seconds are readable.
h=12 m=31
